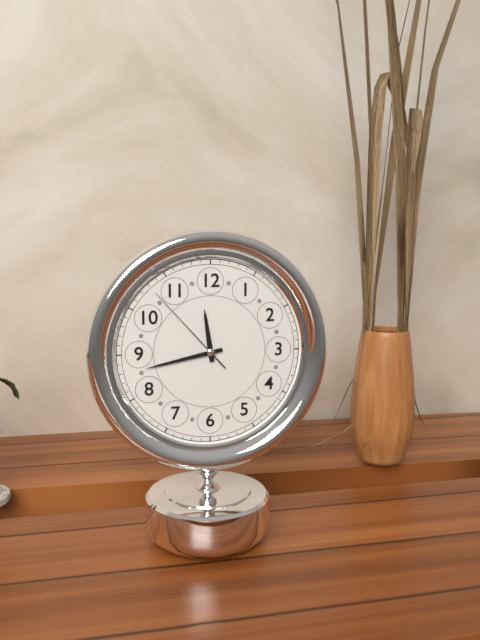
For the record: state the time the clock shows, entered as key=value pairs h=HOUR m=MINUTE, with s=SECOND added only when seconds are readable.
h=11 m=43 s=53
